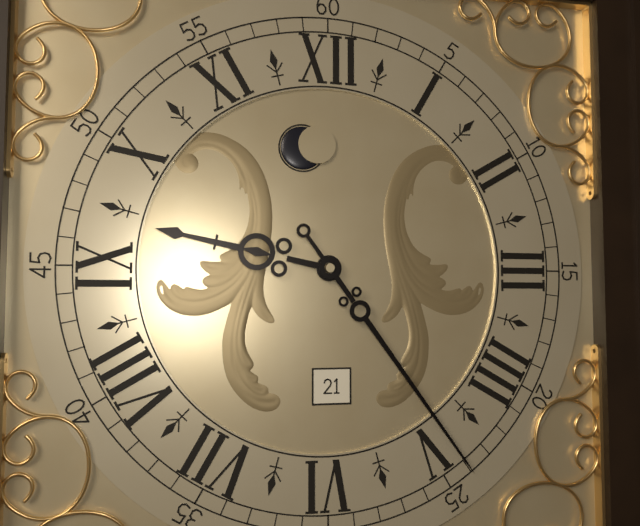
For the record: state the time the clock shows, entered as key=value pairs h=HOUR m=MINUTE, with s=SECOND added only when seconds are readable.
h=9 m=24
